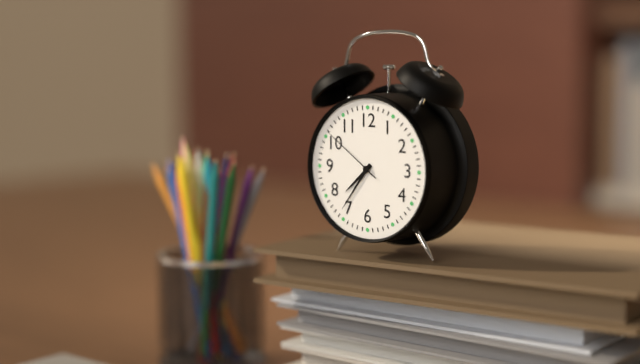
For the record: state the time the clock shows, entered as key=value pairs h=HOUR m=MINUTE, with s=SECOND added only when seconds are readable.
h=7 m=36 s=51
